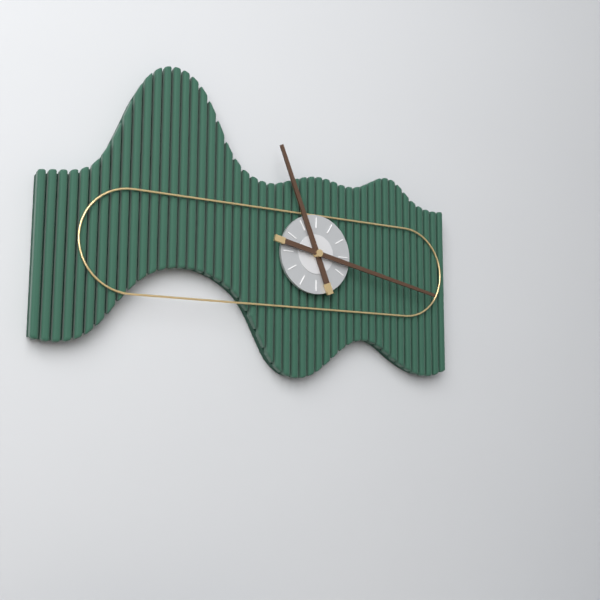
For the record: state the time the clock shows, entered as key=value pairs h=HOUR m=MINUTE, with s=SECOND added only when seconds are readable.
h=11 m=17
